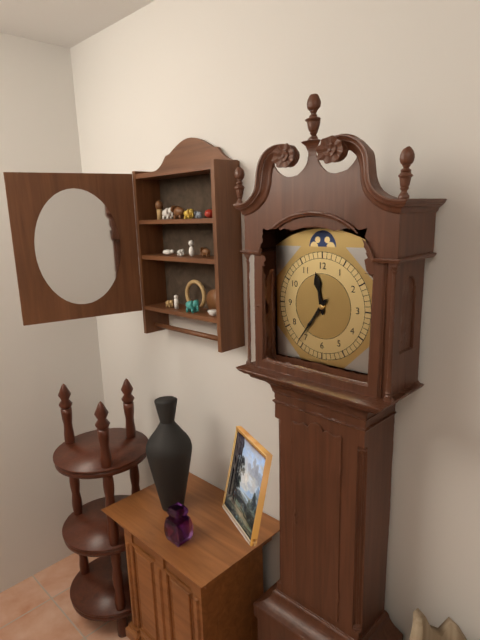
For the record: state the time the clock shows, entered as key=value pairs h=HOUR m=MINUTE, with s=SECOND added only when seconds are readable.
h=11 m=36
